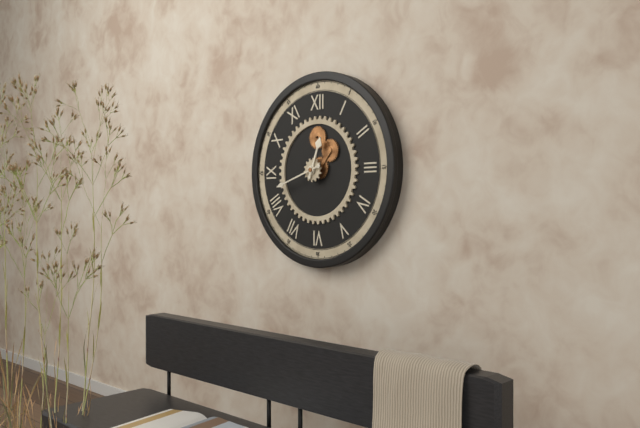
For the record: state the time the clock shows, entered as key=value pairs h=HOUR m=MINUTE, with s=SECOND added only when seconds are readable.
h=12 m=42
